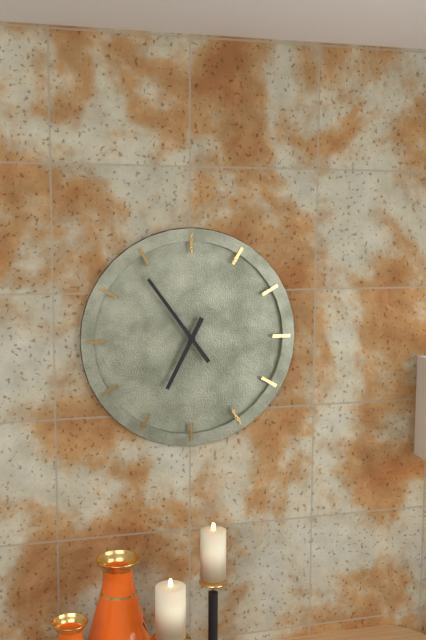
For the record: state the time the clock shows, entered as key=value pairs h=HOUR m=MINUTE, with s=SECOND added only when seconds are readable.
h=6 m=54
